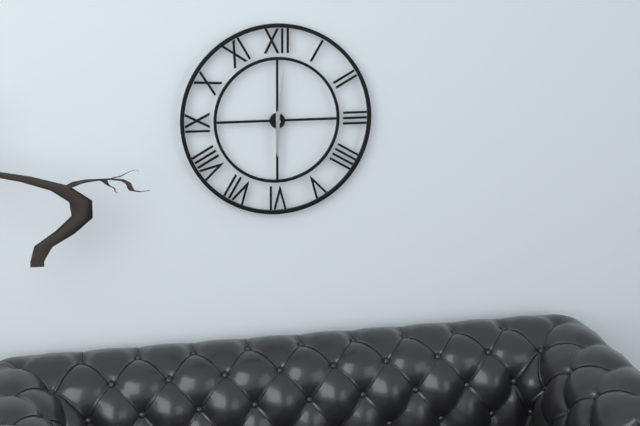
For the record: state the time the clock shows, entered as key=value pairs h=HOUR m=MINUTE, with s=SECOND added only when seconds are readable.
h=6 m=1
